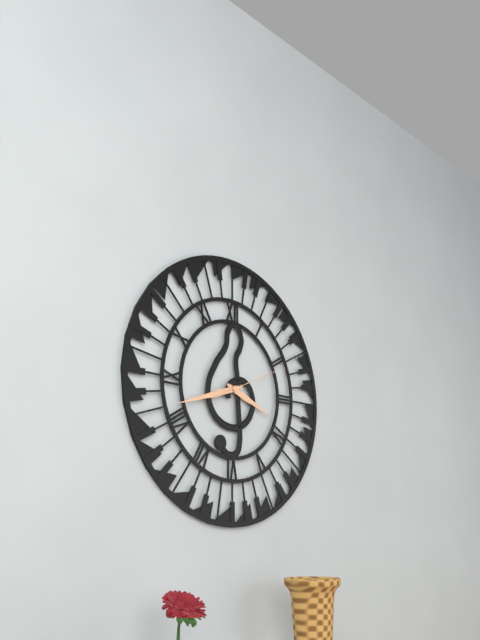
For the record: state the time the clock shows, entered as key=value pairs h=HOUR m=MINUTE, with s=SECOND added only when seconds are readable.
h=3 m=42 s=11
